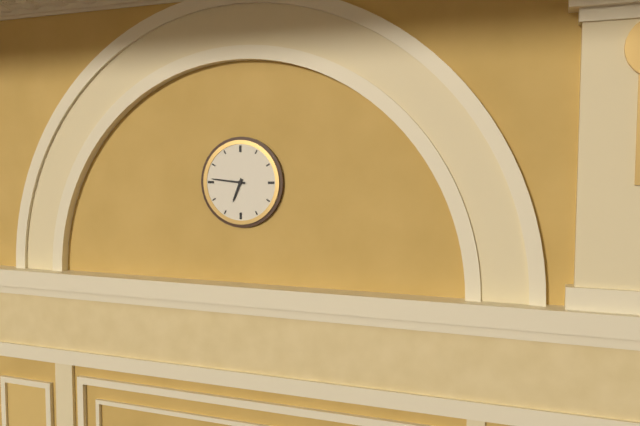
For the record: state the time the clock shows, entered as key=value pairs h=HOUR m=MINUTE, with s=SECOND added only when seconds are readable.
h=6 m=46
